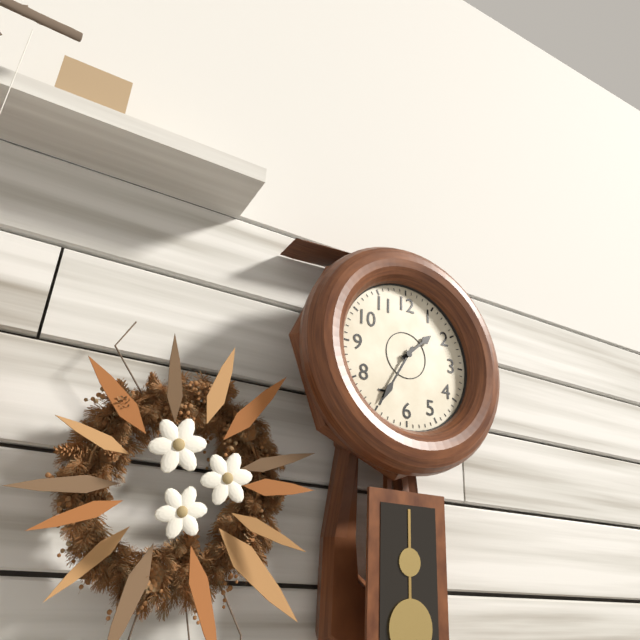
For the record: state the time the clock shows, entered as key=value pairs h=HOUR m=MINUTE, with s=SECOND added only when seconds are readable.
h=1 m=35
